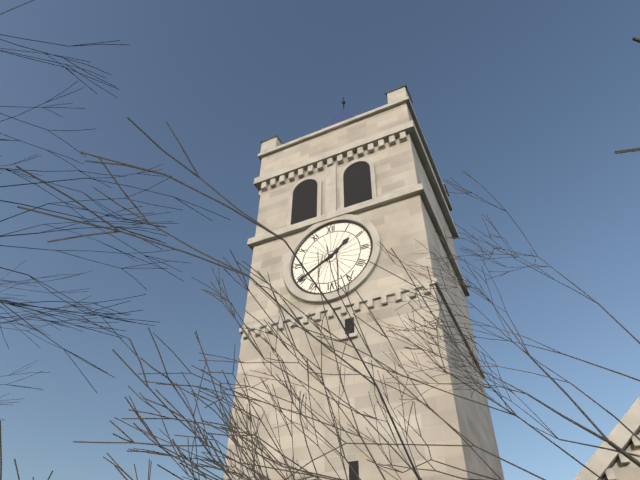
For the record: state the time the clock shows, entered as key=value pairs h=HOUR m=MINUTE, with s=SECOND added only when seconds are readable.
h=1 m=40
